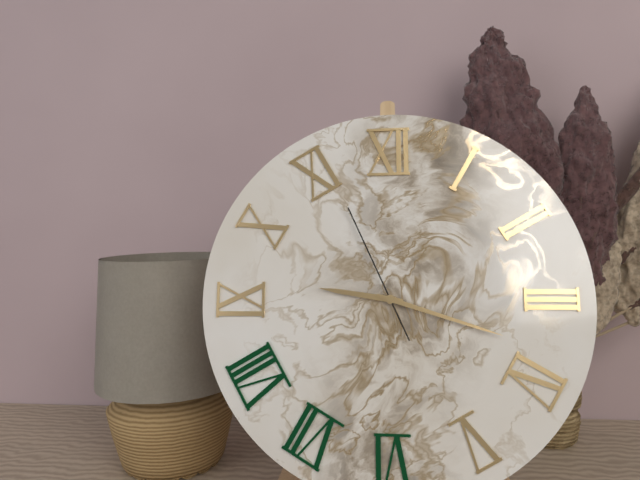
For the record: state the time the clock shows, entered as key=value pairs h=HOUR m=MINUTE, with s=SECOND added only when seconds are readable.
h=9 m=18 s=56
